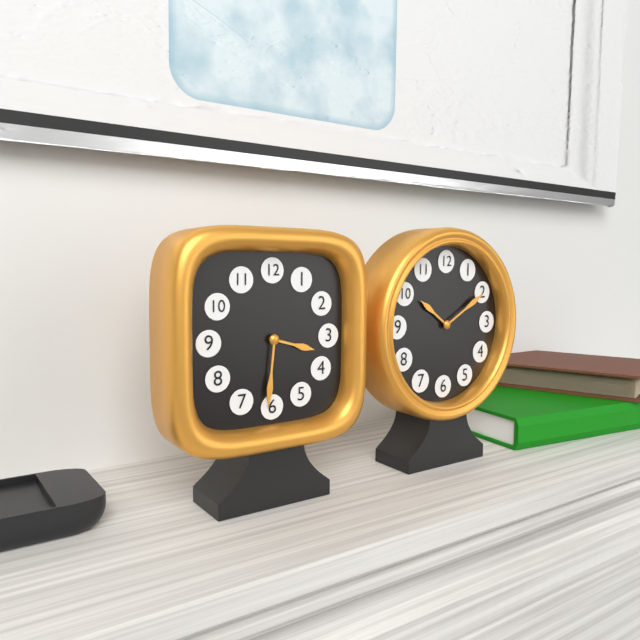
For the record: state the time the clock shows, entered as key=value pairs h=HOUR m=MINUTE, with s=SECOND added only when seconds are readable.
h=3 m=31
